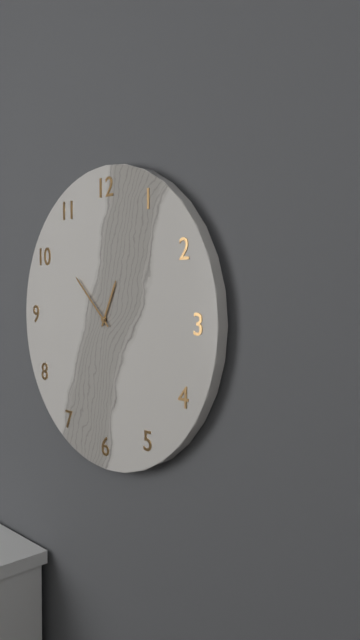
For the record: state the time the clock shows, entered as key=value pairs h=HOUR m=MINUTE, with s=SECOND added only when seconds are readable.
h=12 m=52
